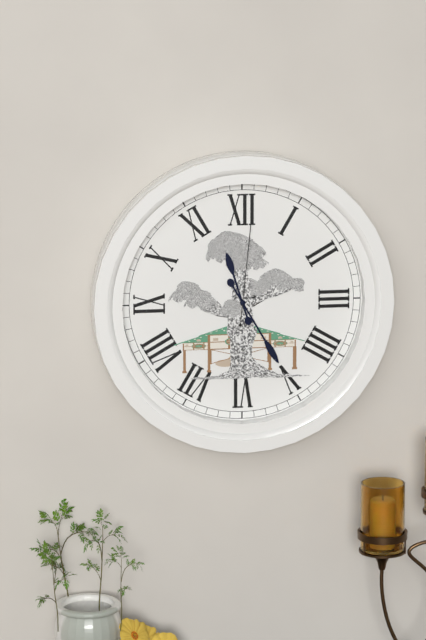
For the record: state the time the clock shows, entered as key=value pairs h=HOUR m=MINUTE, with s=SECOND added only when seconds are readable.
h=11 m=25 s=1
